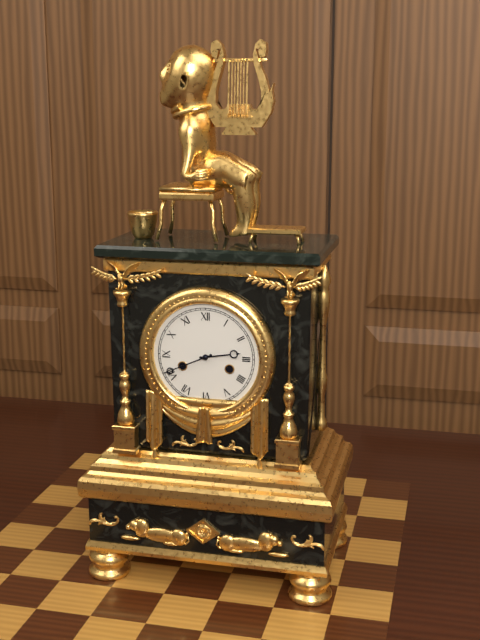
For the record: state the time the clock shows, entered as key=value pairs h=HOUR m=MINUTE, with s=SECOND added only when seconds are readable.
h=2 m=41
